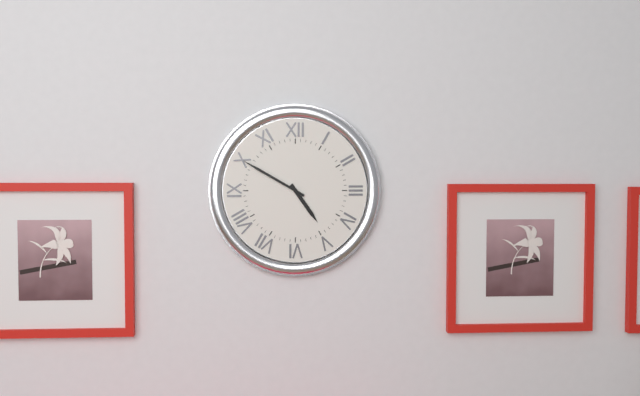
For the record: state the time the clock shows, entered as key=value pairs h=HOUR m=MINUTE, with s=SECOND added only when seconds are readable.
h=4 m=50
